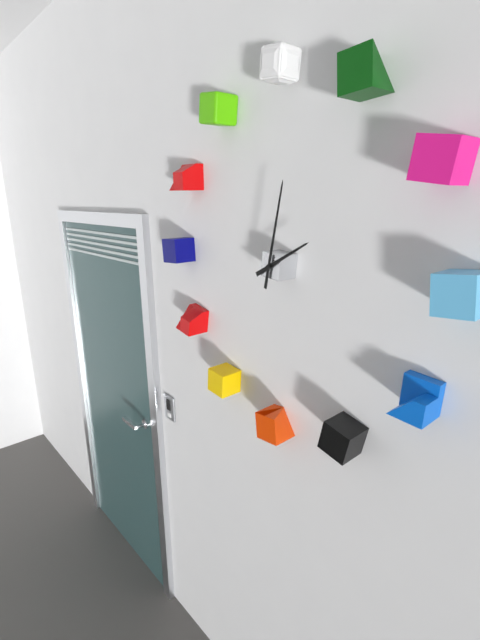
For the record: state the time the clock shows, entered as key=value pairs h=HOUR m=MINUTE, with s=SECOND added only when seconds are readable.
h=2 m=2
